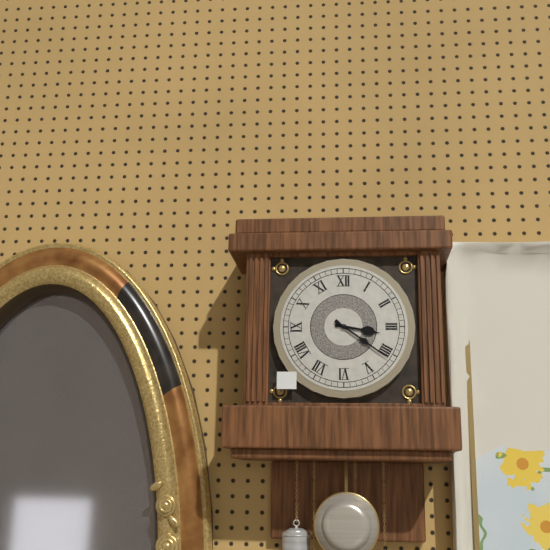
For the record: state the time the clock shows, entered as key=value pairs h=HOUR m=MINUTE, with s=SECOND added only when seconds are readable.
h=3 m=21
